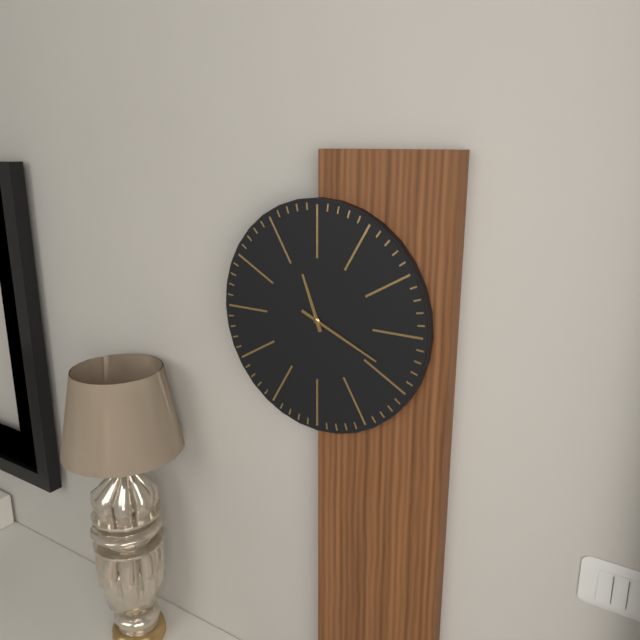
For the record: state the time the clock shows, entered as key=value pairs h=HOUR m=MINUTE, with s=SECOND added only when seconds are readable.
h=11 m=19
